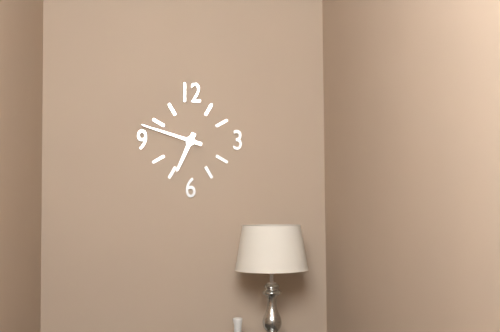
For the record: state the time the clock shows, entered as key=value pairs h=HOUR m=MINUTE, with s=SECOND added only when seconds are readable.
h=6 m=48
